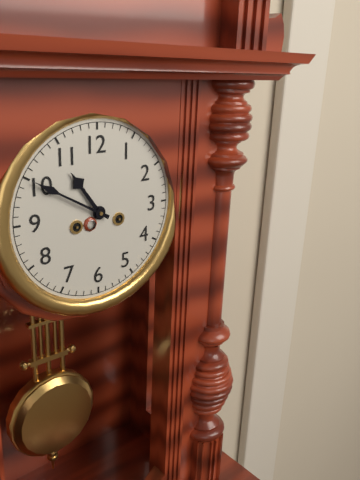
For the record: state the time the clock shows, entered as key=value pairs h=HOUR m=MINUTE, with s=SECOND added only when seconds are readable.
h=10 m=50
